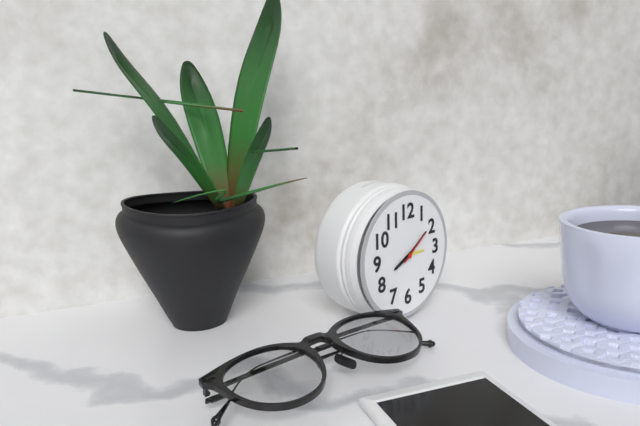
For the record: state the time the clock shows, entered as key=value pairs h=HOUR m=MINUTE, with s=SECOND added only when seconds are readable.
h=8 m=9
